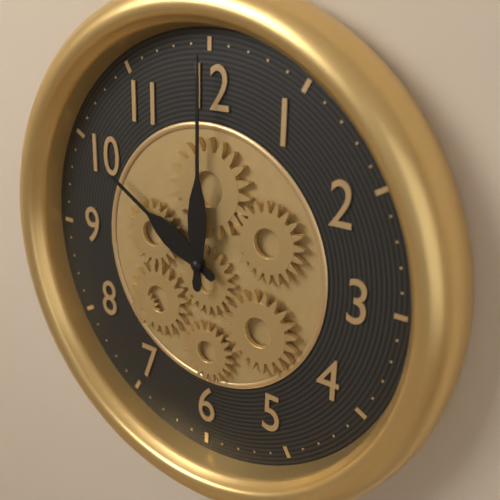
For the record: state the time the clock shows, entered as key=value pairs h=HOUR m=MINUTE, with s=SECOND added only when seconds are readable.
h=10 m=0
